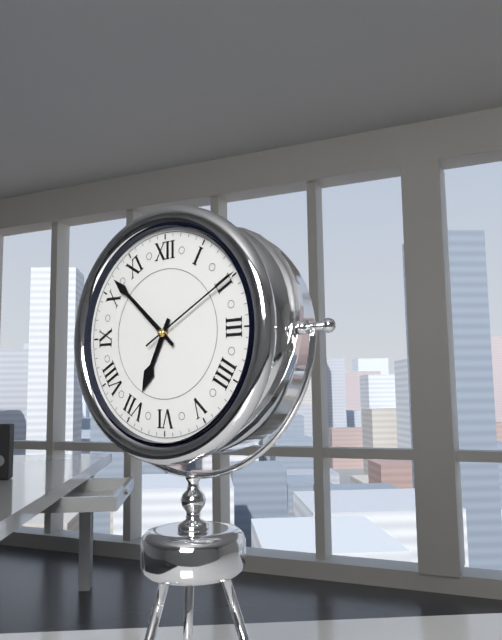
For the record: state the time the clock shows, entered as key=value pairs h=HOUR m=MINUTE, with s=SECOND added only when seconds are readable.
h=6 m=52 s=10
